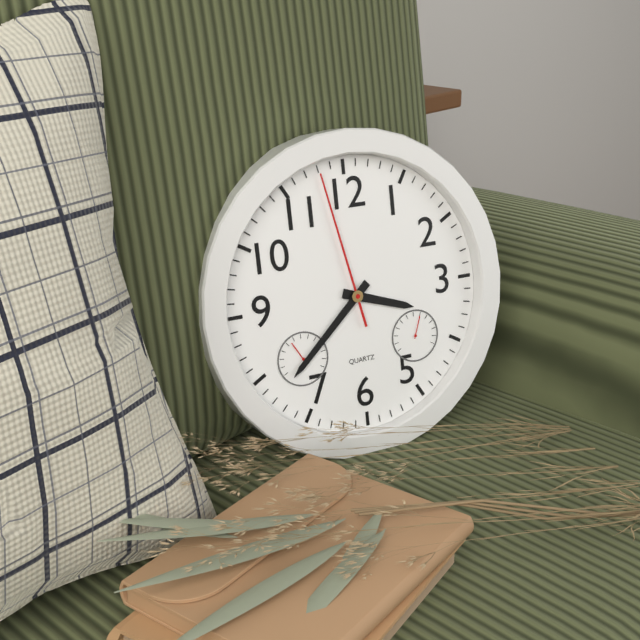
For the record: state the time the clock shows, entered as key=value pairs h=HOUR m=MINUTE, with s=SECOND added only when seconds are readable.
h=3 m=38 s=58
